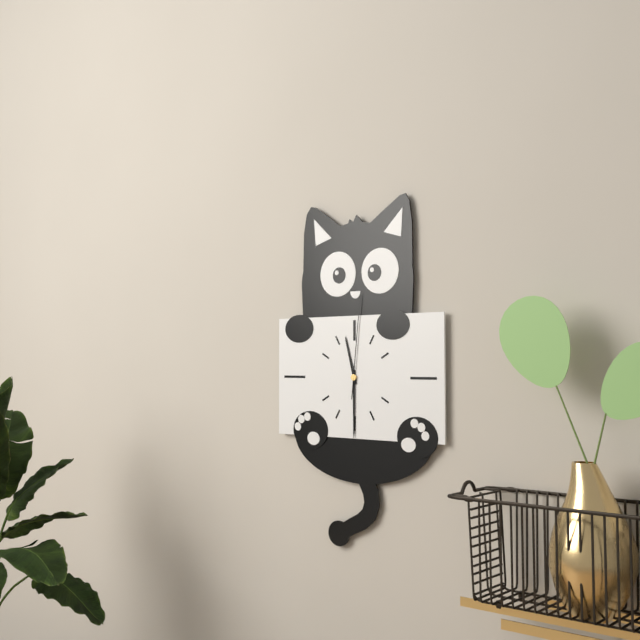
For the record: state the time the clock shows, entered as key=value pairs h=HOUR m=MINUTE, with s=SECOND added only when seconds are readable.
h=11 m=30 s=1
